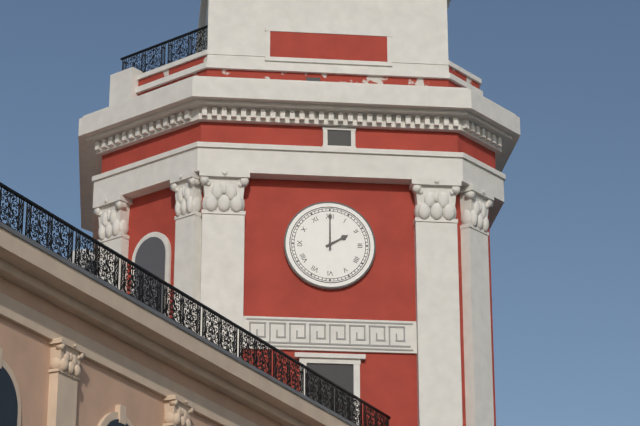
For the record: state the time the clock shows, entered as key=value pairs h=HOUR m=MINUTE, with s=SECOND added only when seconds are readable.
h=2 m=0
